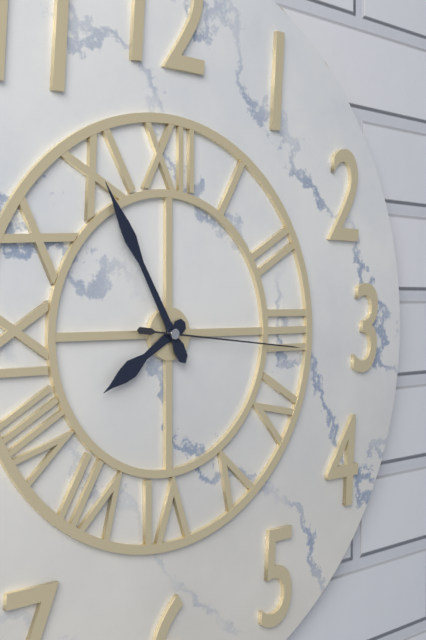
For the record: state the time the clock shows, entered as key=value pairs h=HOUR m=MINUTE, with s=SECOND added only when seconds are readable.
h=7 m=55 s=16
